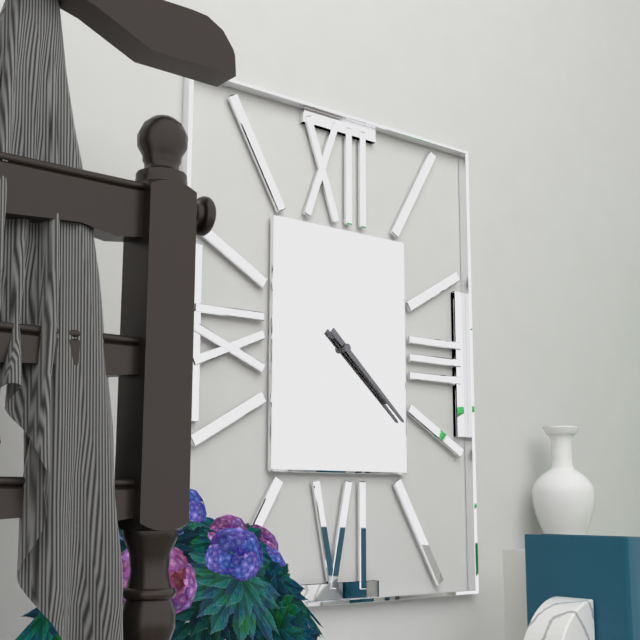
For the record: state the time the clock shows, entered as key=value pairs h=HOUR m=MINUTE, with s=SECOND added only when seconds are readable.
h=4 m=22
